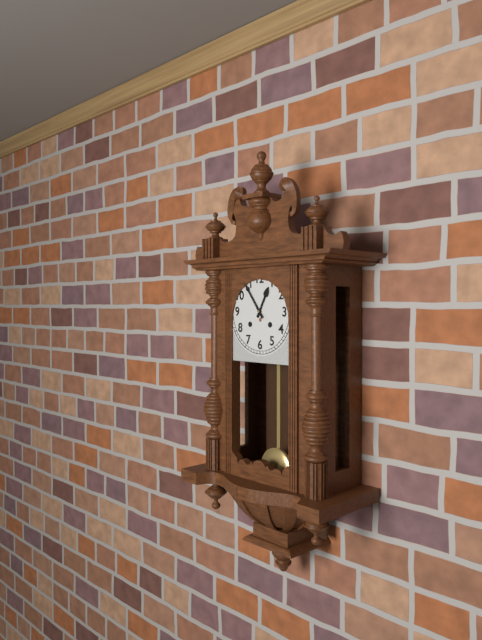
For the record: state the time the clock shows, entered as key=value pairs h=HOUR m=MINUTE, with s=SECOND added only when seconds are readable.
h=12 m=54
